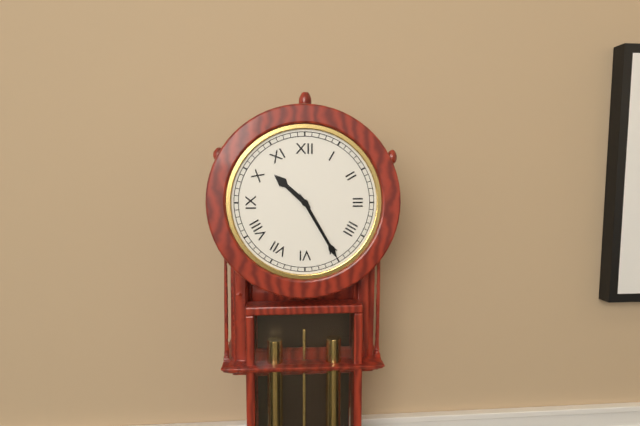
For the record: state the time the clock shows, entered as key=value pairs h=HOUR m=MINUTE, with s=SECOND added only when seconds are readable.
h=10 m=25
